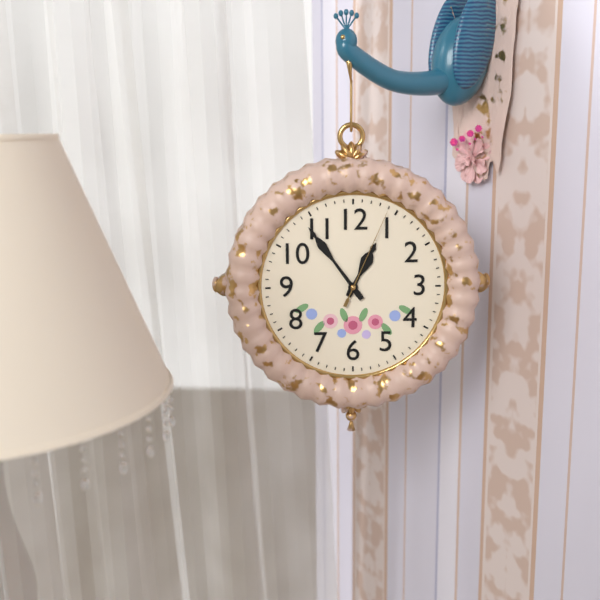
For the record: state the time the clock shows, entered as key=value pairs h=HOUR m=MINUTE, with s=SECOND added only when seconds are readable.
h=12 m=54 s=4
